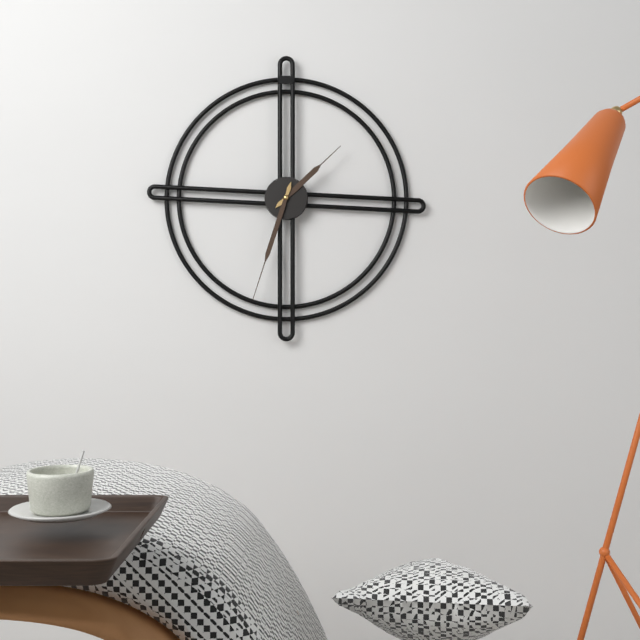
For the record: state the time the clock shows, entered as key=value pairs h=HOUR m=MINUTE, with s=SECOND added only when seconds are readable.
h=1 m=33
